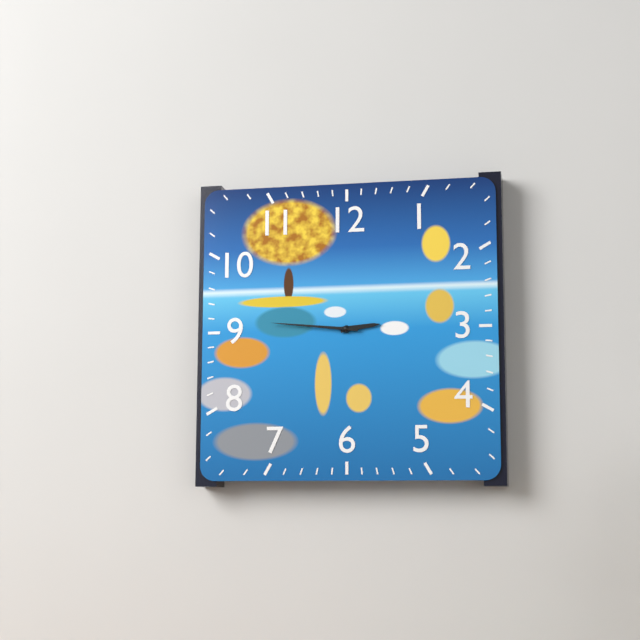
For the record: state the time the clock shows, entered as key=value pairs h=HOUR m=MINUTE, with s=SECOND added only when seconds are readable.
h=2 m=46
